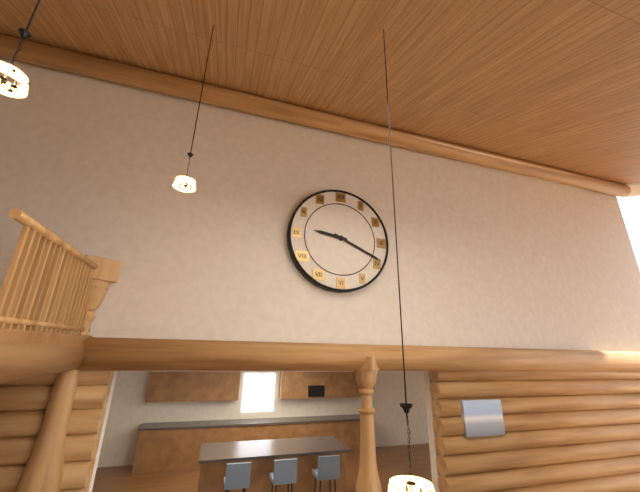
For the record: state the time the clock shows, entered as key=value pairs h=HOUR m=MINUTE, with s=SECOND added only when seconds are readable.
h=9 m=19
